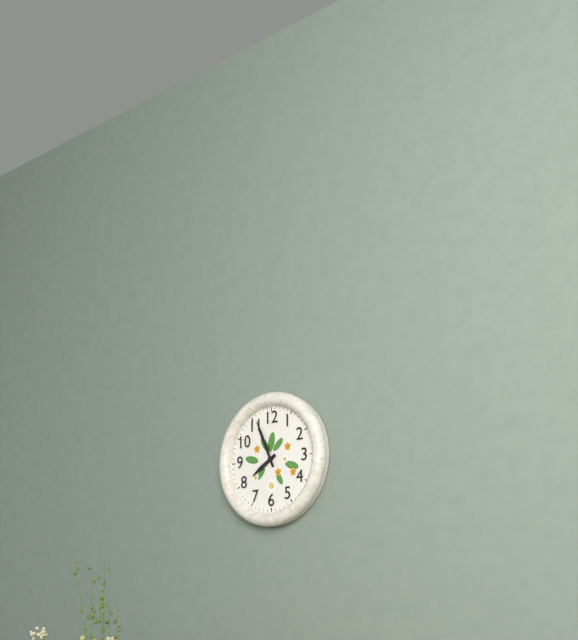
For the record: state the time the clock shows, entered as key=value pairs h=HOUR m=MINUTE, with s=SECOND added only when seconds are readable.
h=7 m=56
